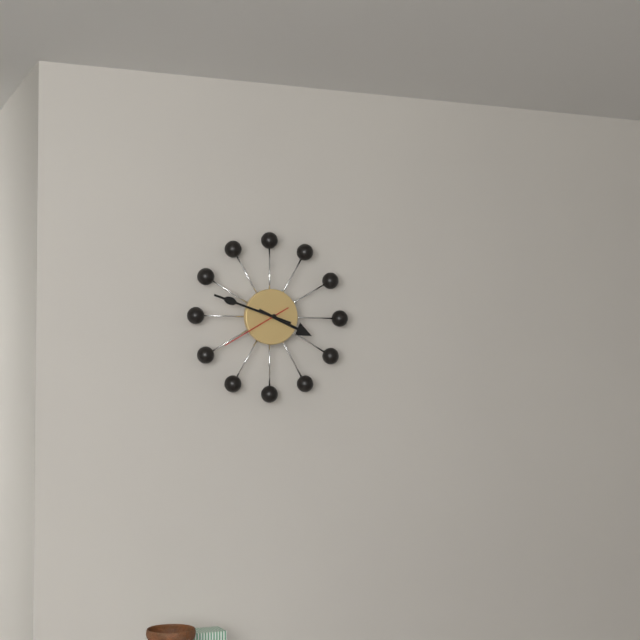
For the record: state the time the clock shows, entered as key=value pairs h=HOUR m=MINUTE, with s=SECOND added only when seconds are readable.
h=3 m=48 s=40
